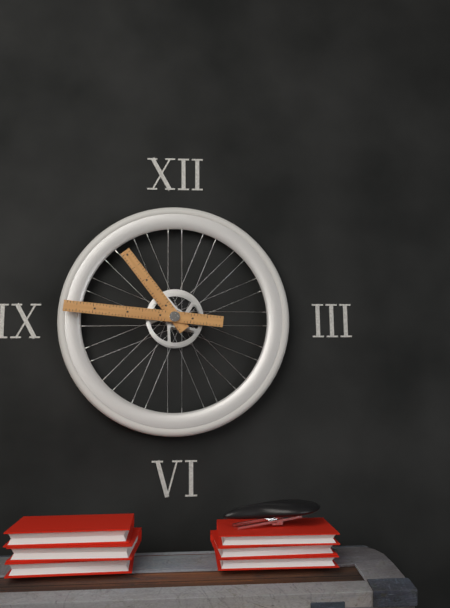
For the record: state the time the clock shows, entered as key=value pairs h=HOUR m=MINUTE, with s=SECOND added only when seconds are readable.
h=10 m=46
